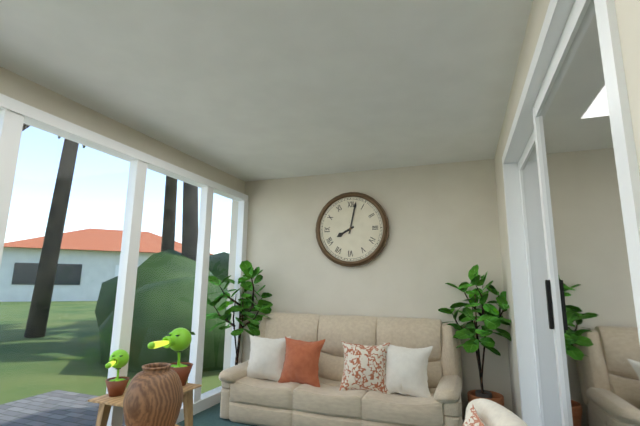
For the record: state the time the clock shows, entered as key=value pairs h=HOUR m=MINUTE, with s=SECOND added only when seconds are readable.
h=8 m=2
